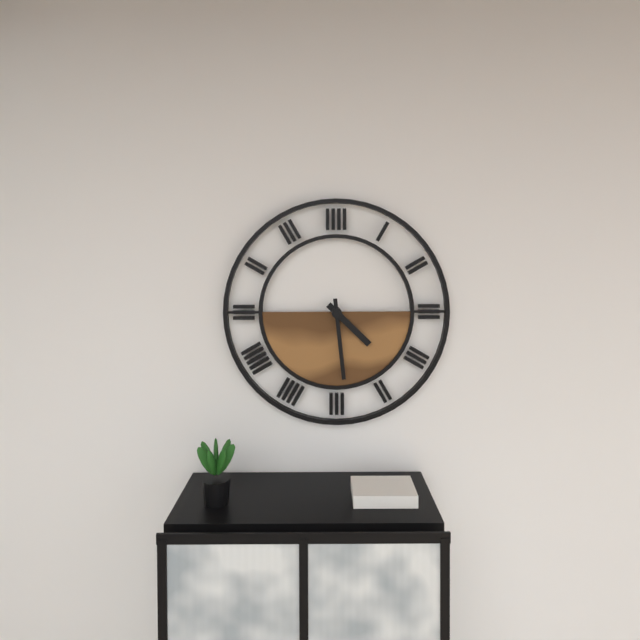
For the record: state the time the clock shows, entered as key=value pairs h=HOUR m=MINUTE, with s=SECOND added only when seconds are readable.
h=4 m=29
